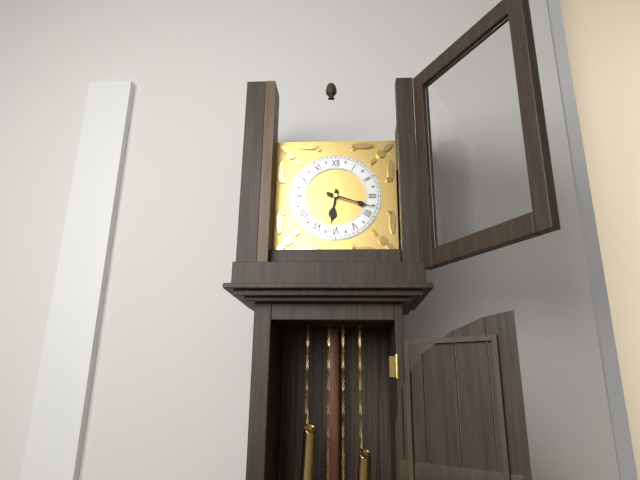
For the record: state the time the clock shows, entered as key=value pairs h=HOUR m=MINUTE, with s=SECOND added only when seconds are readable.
h=6 m=18
